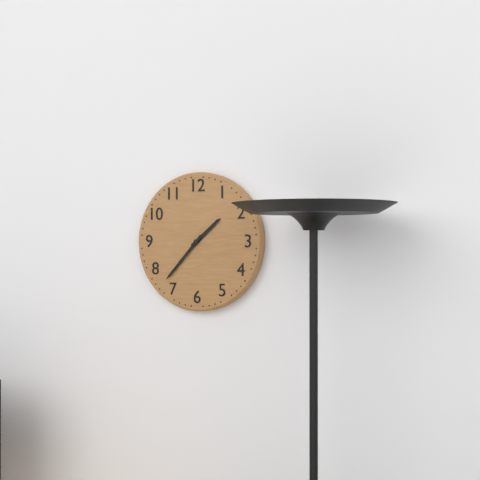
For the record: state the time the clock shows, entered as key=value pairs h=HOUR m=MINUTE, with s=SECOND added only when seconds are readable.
h=1 m=37
